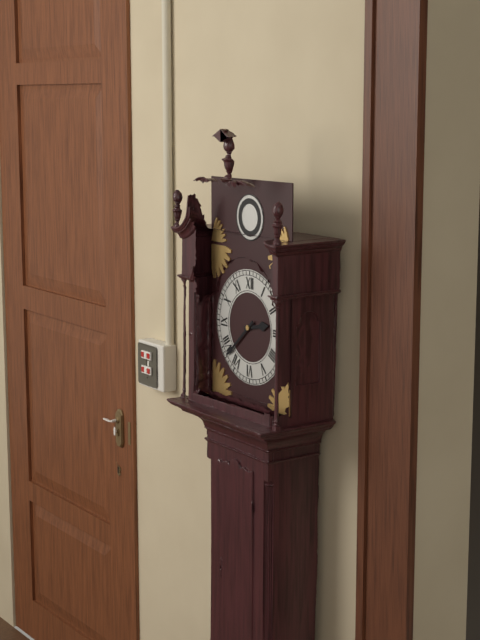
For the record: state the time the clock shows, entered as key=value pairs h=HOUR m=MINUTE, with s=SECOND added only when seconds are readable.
h=2 m=38
